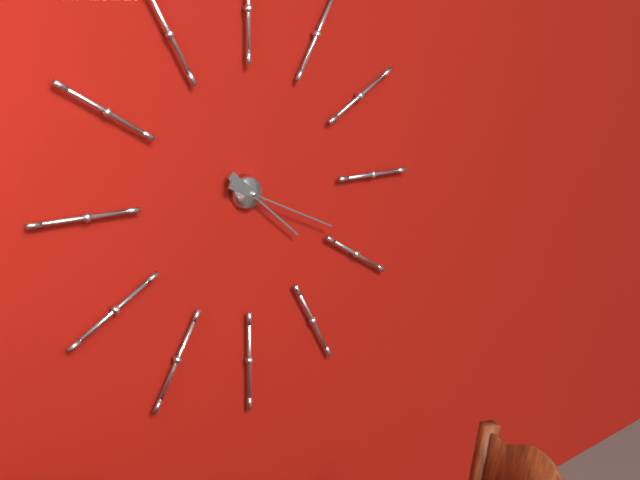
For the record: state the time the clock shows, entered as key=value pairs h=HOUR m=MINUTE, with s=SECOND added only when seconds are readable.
h=4 m=19
